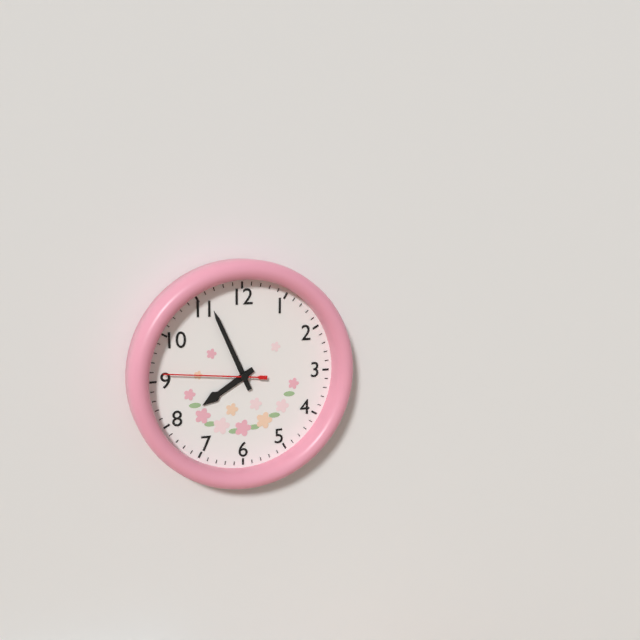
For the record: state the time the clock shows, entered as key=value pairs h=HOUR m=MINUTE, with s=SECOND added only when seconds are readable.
h=7 m=56 s=46
